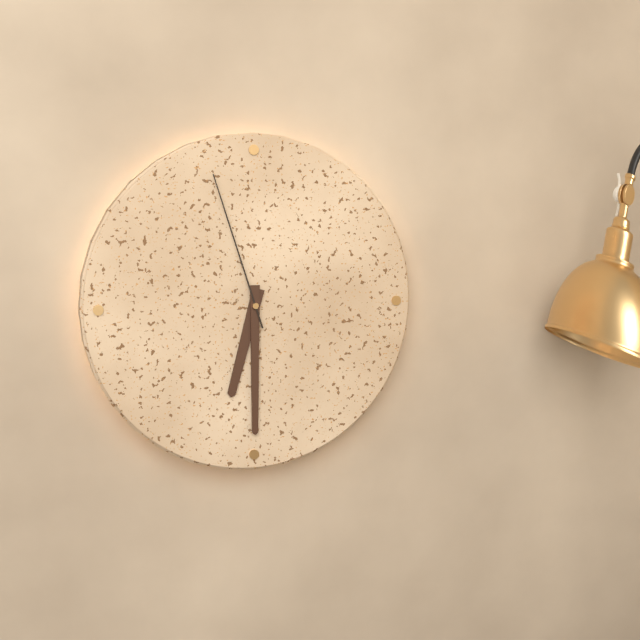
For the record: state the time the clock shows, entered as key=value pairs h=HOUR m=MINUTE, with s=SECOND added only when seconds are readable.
h=6 m=30 s=57
